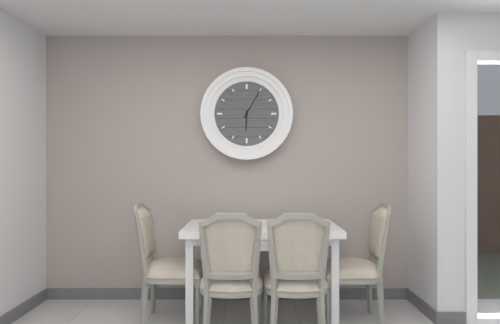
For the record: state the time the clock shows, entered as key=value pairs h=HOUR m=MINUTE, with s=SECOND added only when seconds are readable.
h=6 m=5
